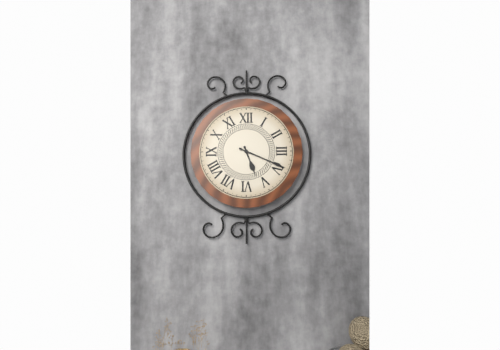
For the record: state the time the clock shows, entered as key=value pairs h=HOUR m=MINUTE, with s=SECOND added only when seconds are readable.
h=5 m=19
